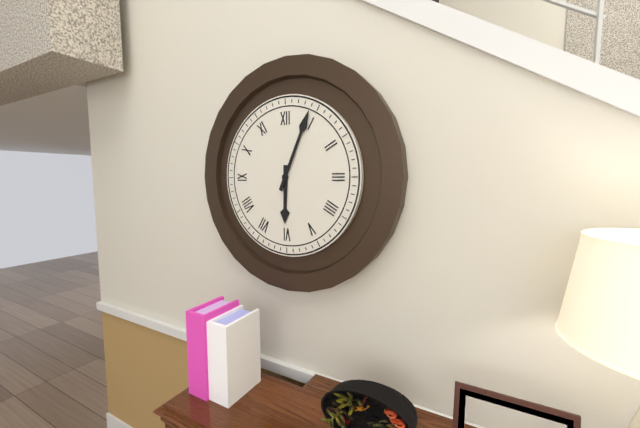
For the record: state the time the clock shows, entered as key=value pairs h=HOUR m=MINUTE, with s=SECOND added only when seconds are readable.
h=6 m=4
